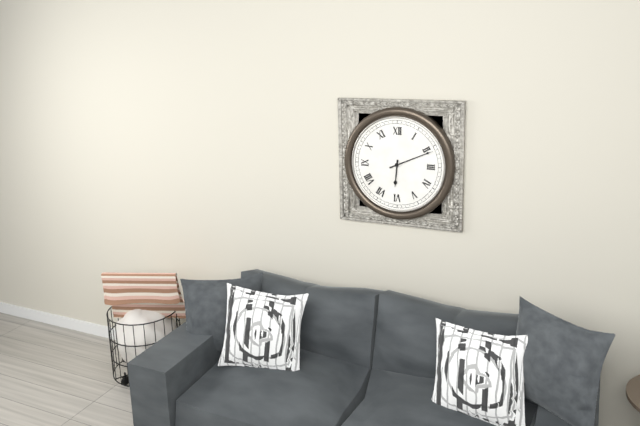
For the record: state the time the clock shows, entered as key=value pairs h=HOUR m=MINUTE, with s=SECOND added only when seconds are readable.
h=6 m=11
